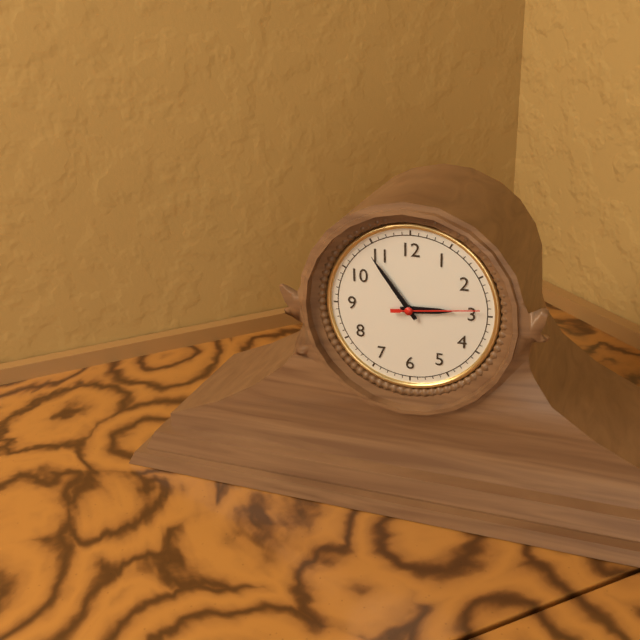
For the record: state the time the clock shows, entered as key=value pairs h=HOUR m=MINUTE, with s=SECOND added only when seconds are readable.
h=2 m=54 s=14
